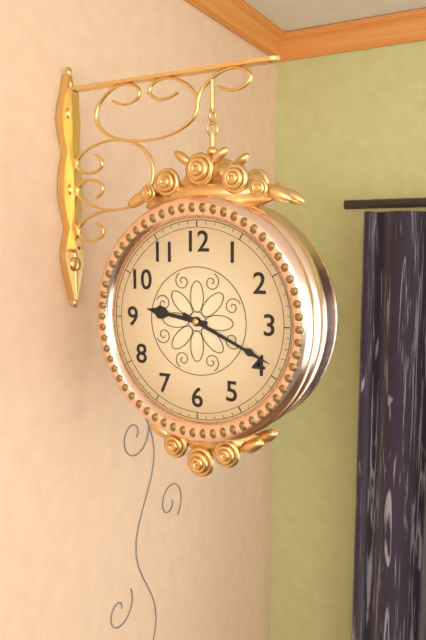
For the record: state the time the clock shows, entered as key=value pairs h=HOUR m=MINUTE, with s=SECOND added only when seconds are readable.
h=9 m=19
